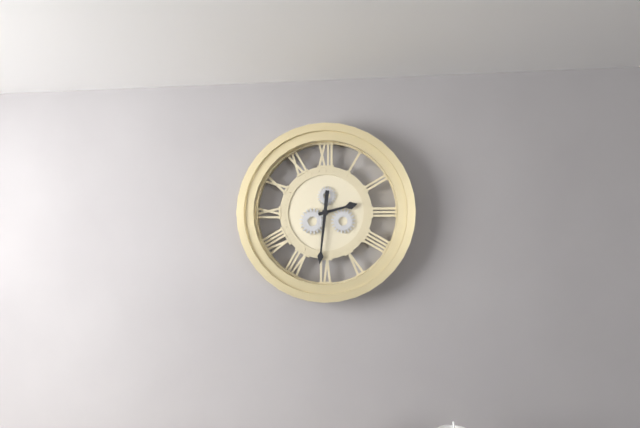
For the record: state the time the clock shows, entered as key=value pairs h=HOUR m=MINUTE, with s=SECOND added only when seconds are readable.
h=2 m=31
